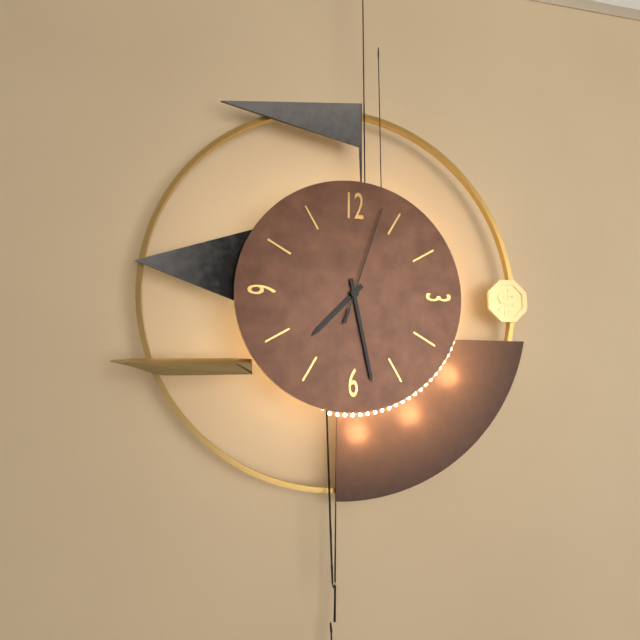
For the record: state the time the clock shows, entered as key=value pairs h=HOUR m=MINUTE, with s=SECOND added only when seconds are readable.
h=7 m=28 s=3
